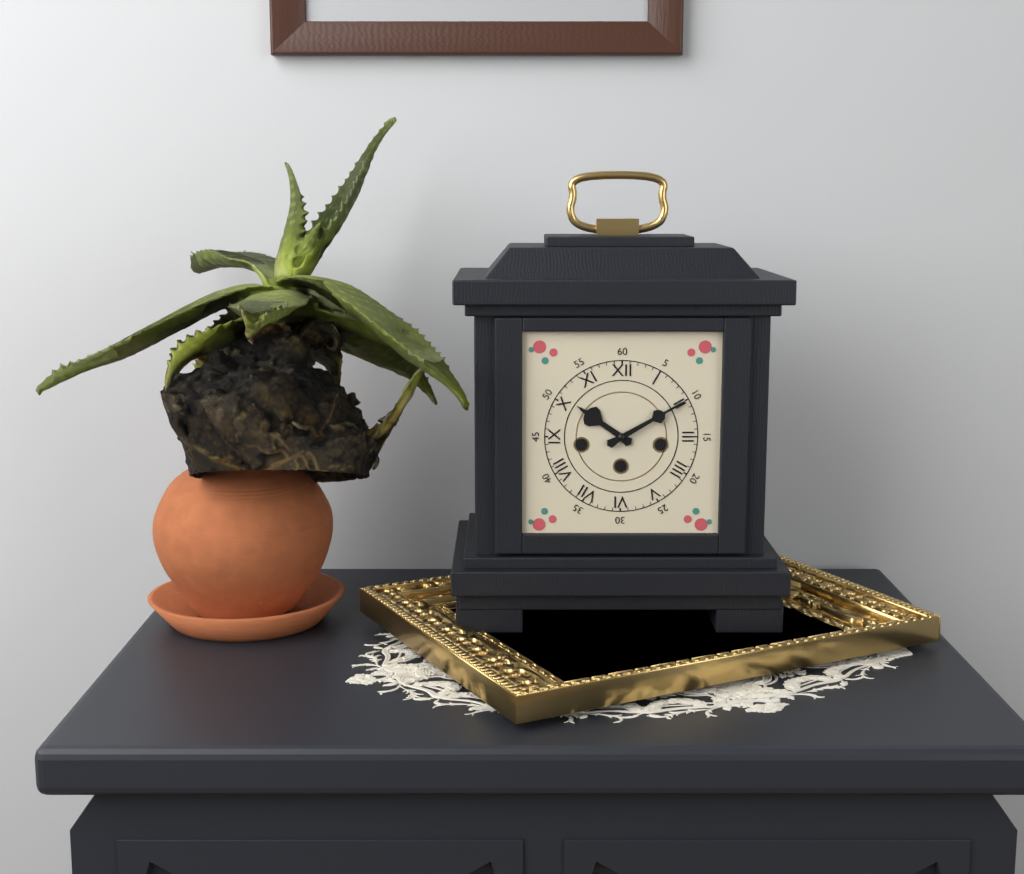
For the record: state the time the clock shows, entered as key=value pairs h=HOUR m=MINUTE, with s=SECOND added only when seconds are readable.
h=10 m=10
